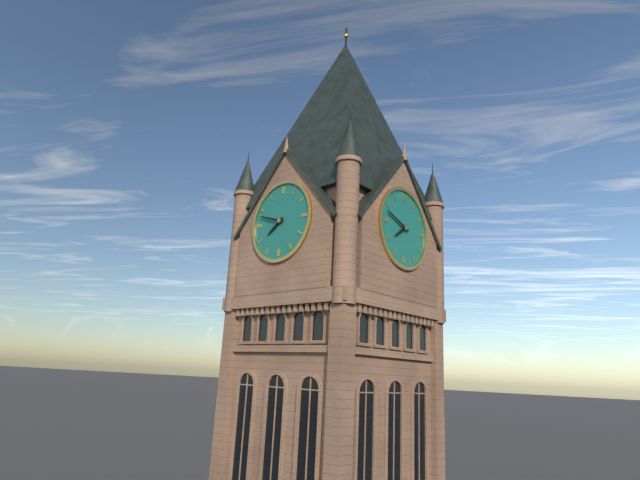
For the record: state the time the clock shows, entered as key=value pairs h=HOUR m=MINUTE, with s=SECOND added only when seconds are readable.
h=7 m=48
